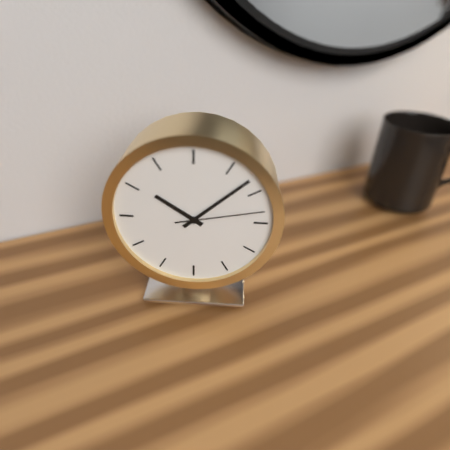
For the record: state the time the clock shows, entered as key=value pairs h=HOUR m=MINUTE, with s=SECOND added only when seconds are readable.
h=10 m=8 s=13
